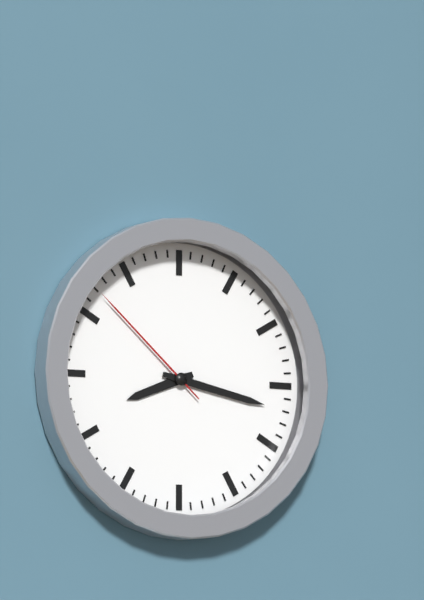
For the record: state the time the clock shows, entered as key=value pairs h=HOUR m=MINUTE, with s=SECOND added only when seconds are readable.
h=8 m=17 s=52
